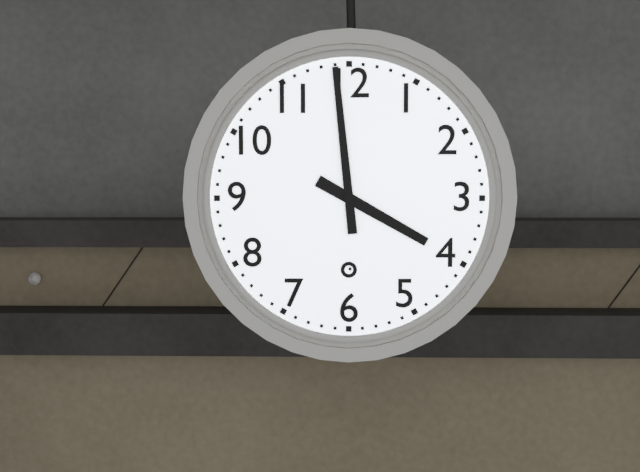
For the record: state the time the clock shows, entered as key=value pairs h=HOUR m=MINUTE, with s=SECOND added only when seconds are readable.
h=3 m=59
